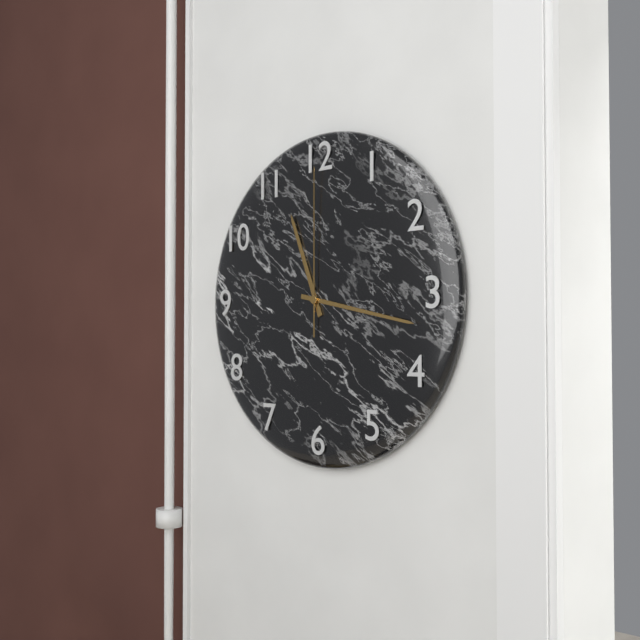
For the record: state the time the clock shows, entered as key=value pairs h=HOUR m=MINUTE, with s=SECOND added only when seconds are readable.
h=11 m=17 s=0
